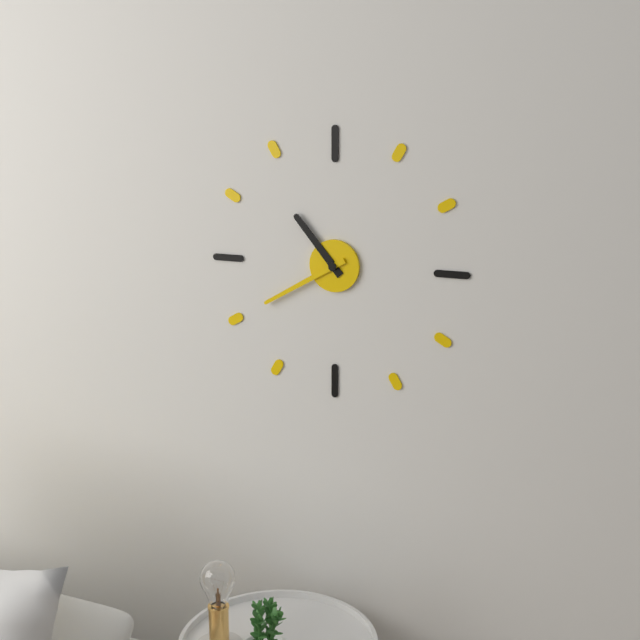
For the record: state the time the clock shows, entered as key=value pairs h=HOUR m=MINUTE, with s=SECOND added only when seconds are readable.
h=10 m=40
